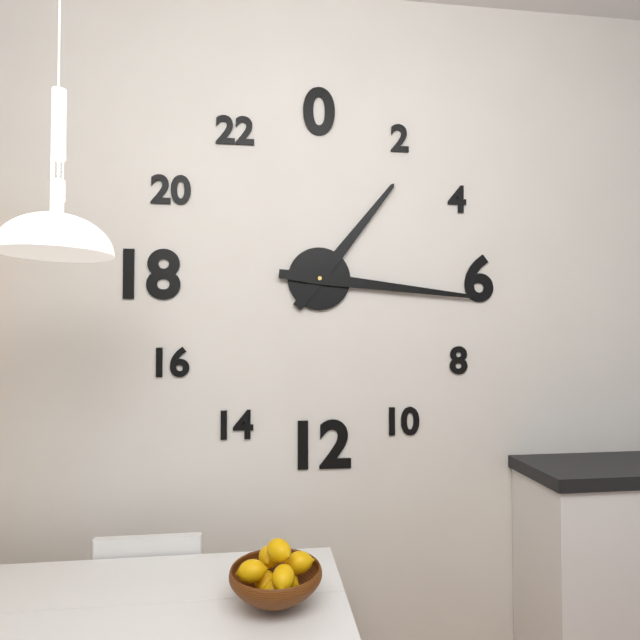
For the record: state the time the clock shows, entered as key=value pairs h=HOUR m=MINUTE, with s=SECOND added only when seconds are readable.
h=1 m=16
